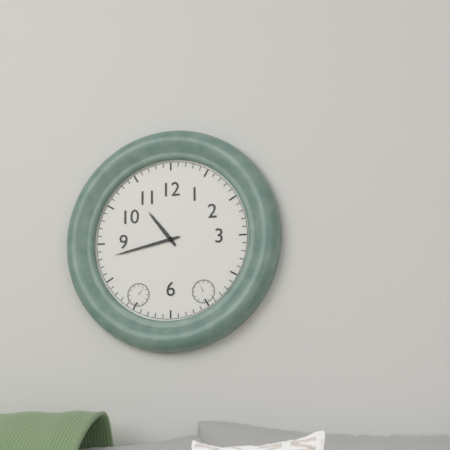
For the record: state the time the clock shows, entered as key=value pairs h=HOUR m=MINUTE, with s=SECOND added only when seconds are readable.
h=10 m=43
